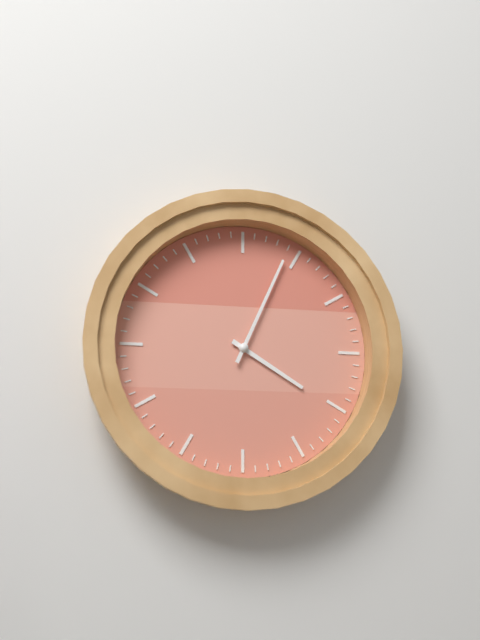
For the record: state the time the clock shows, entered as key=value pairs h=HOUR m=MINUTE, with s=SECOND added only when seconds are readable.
h=4 m=4
